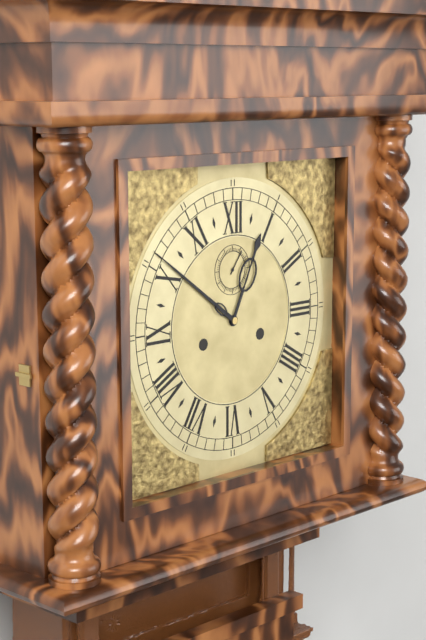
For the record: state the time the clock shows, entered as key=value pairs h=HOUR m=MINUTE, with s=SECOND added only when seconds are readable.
h=12 m=51
